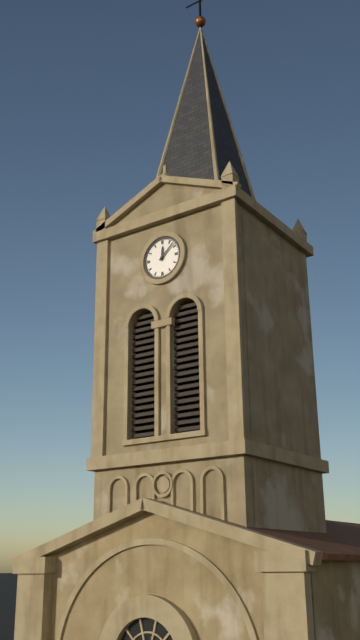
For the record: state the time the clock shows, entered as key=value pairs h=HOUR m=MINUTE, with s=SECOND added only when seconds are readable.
h=12 m=8
